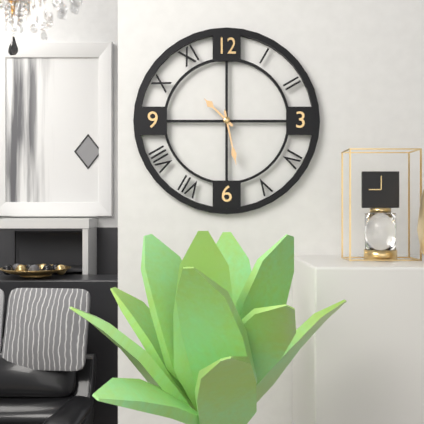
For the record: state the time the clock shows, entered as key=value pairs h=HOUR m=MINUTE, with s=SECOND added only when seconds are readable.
h=10 m=28
